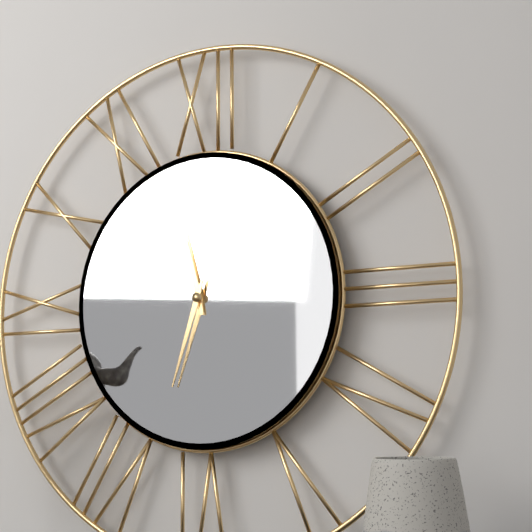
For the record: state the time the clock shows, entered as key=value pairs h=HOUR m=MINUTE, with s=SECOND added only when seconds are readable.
h=11 m=33
